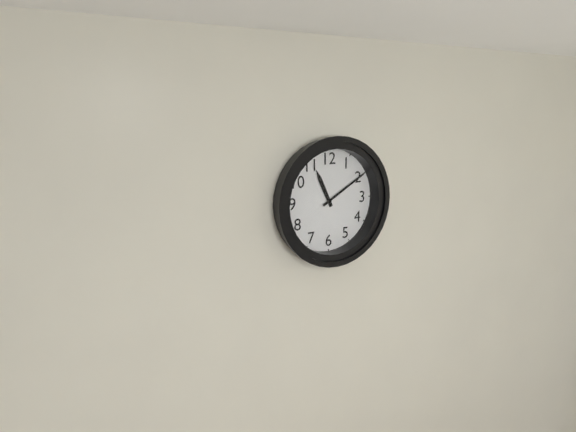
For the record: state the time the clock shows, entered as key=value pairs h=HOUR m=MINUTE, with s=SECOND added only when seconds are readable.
h=11 m=10
